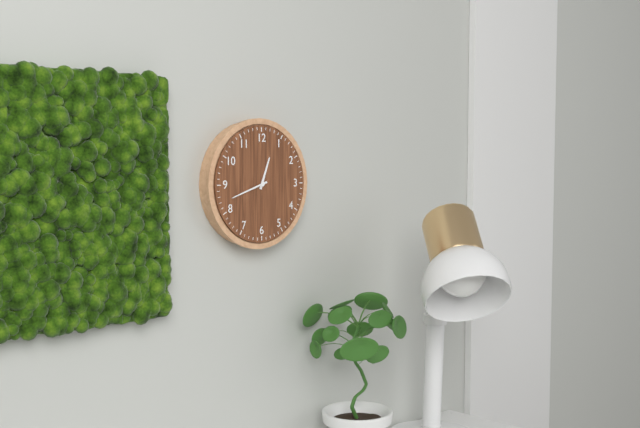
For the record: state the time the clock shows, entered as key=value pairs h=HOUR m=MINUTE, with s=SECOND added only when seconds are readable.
h=12 m=42
